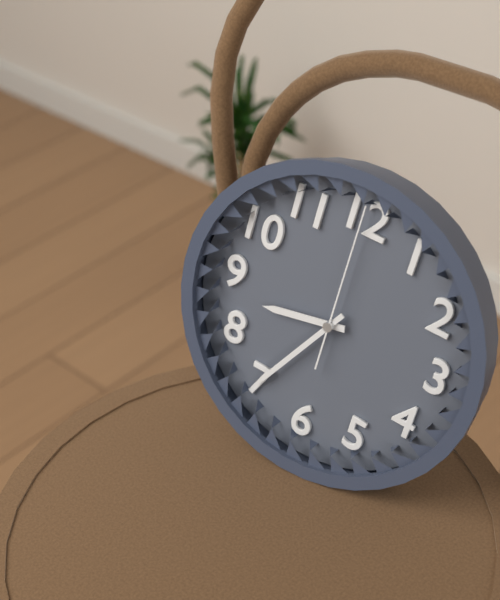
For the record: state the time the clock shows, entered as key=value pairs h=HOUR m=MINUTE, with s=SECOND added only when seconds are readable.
h=8 m=35 s=0
